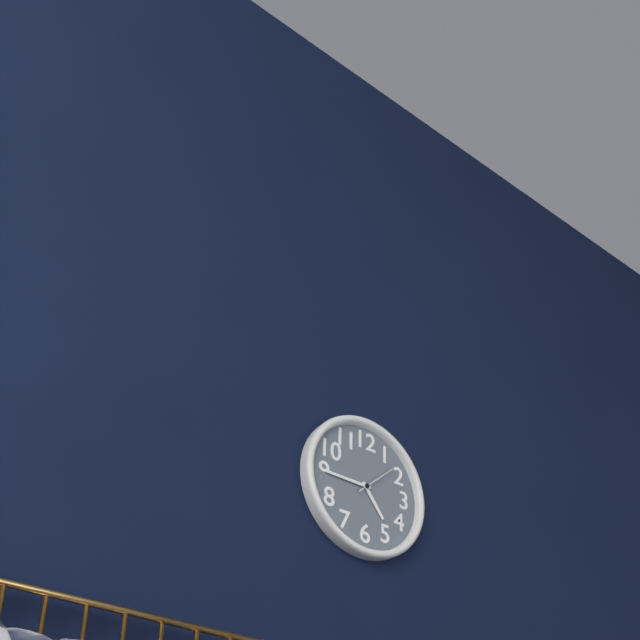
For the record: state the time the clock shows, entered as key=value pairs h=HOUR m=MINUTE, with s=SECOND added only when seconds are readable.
h=4 m=45
